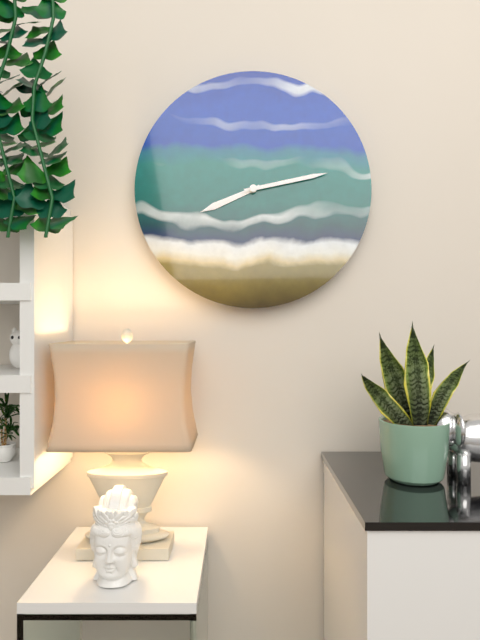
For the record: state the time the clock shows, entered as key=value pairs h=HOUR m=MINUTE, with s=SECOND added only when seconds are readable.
h=8 m=13
